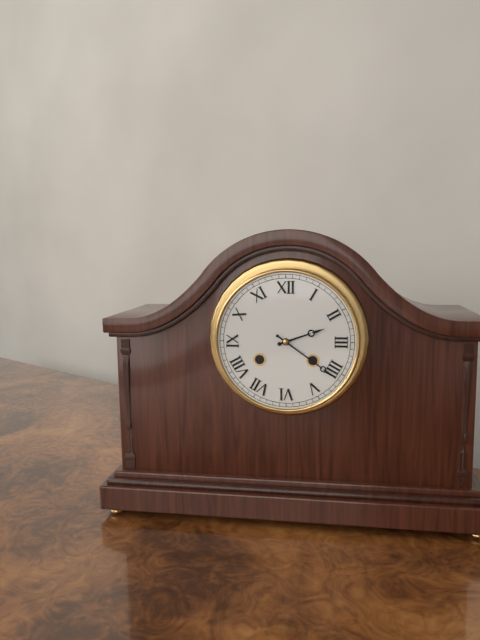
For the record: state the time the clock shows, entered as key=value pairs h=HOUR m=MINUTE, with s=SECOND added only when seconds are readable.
h=2 m=21
